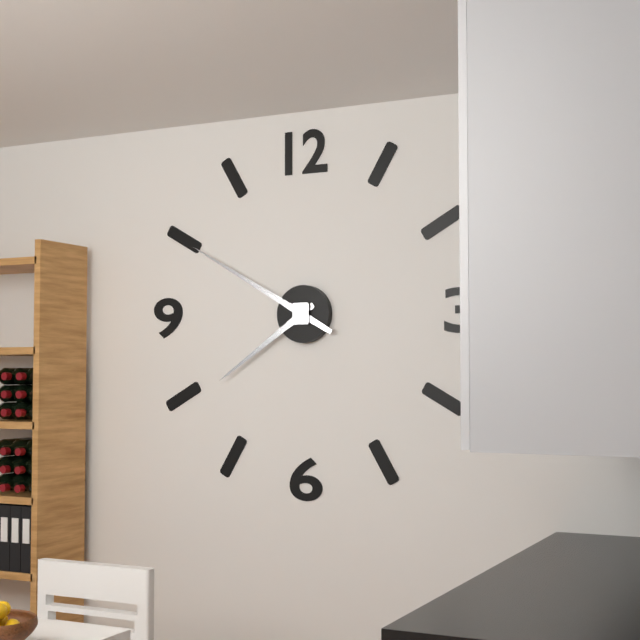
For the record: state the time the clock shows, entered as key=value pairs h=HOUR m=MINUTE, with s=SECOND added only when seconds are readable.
h=7 m=50
